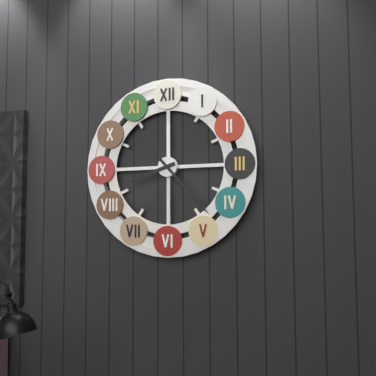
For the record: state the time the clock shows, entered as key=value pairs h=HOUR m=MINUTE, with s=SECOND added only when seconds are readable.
h=8 m=23
